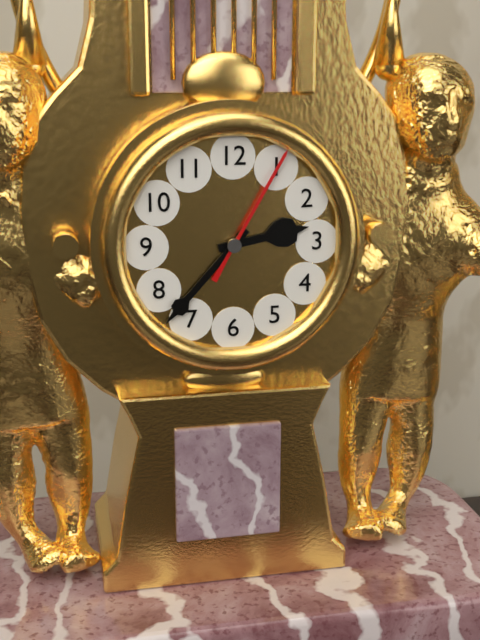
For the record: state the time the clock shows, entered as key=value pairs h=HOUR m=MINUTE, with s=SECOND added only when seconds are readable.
h=2 m=37 s=5
